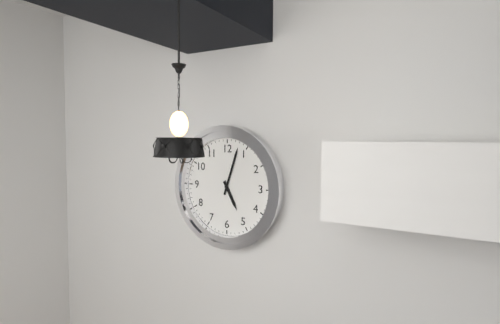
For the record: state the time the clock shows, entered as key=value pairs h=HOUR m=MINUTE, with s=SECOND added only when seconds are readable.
h=5 m=3
